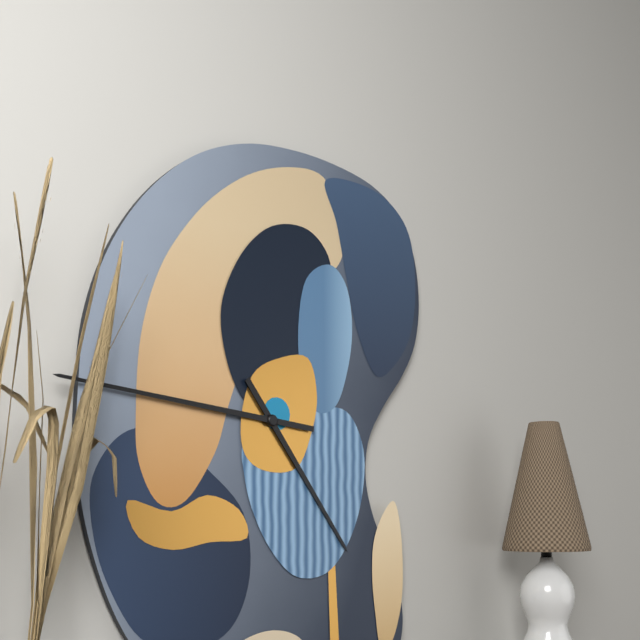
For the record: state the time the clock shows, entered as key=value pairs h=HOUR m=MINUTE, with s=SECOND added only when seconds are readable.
h=4 m=46
